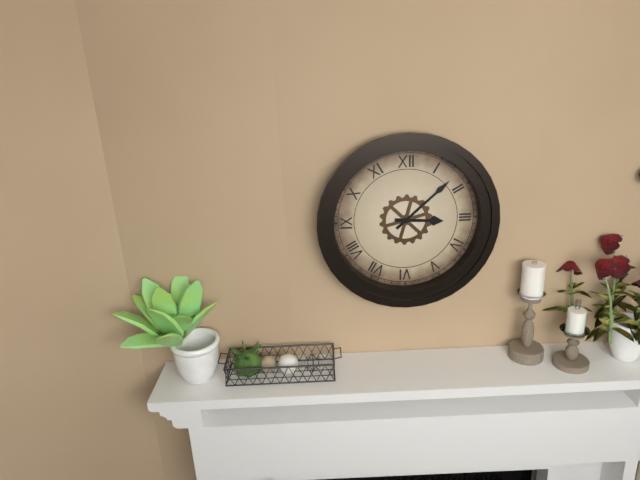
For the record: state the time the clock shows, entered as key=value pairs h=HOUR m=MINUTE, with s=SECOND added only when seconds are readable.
h=3 m=8
